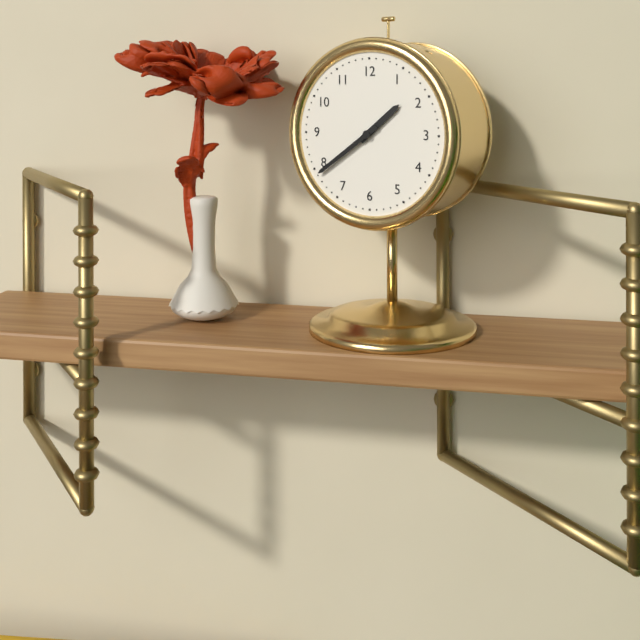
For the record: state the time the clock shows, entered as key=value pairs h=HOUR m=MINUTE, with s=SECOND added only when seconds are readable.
h=1 m=39
